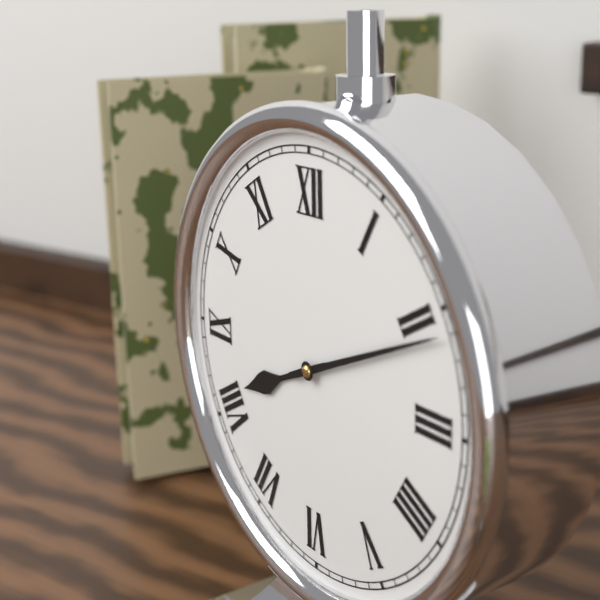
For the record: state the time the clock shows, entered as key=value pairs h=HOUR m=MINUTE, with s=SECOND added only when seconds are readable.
h=8 m=11
